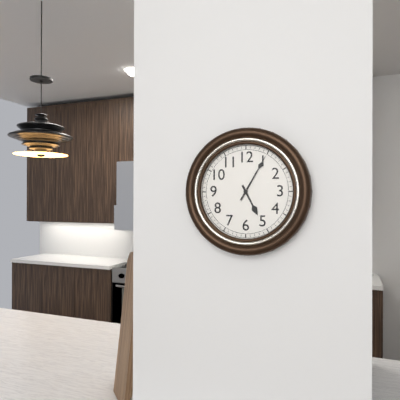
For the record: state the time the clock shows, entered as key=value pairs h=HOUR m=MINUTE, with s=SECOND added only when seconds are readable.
h=5 m=5
